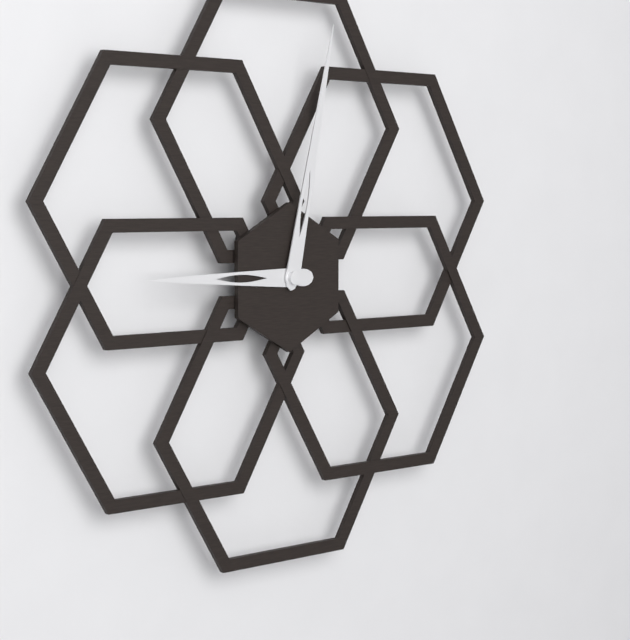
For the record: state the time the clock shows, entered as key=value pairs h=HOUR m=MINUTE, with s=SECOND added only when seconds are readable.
h=9 m=2
